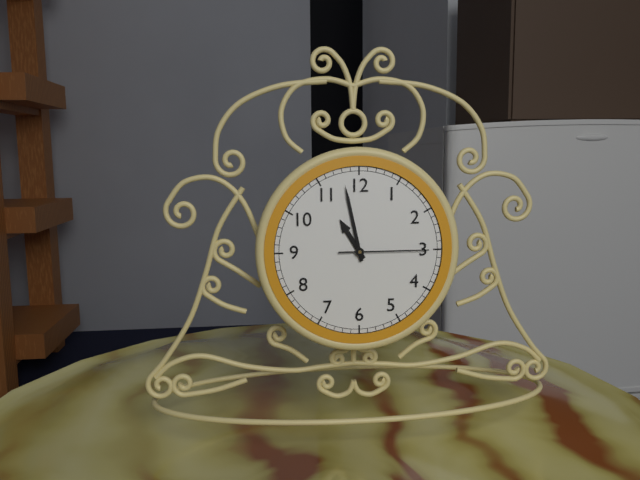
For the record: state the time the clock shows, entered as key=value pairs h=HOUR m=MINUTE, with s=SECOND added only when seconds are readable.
h=10 m=58 s=15
